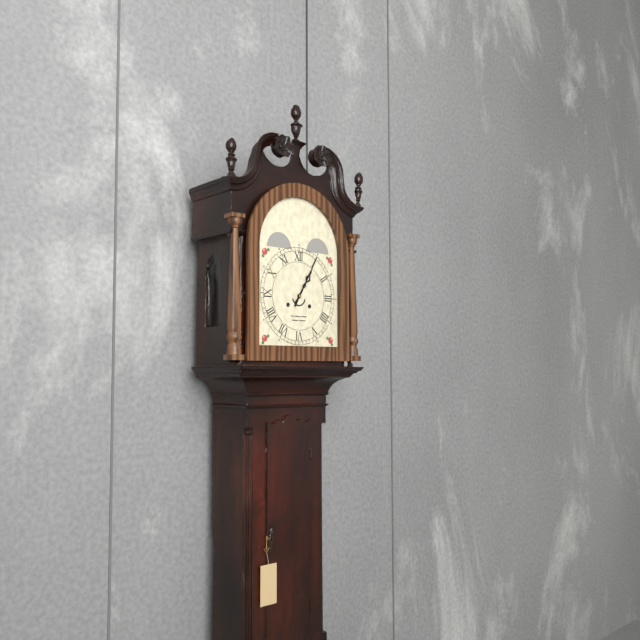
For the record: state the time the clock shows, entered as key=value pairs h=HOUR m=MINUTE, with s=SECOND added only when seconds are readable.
h=1 m=5
